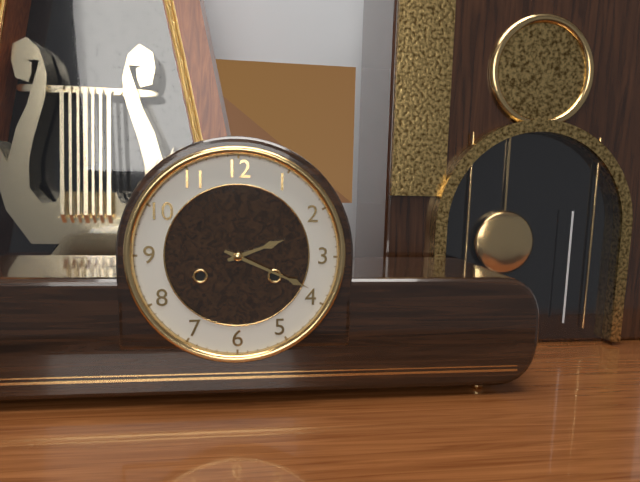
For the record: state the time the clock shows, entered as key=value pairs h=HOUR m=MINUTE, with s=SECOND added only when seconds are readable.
h=2 m=19
